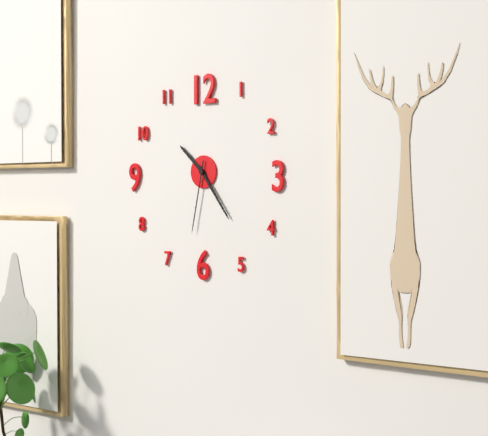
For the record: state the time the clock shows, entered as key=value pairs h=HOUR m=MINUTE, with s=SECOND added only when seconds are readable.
h=10 m=24 s=32
